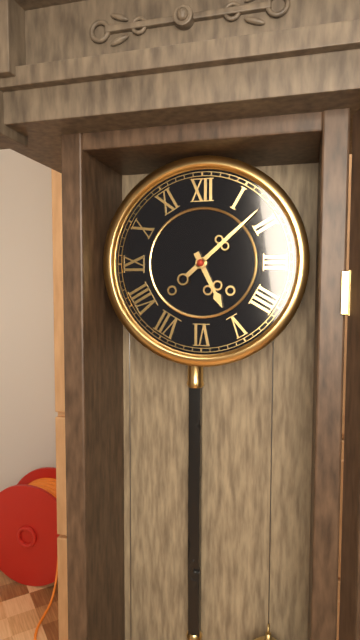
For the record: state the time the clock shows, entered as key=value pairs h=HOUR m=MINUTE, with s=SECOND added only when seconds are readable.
h=5 m=8
